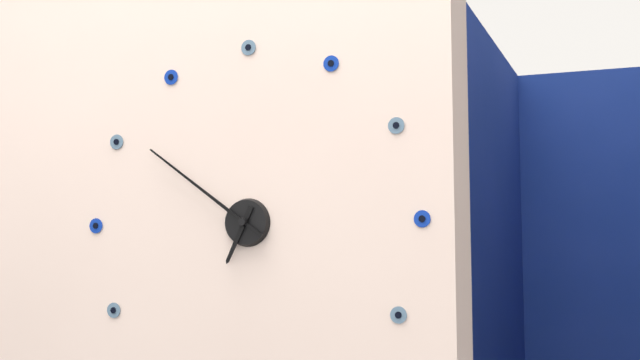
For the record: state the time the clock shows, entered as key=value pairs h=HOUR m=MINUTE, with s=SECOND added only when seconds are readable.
h=6 m=51
